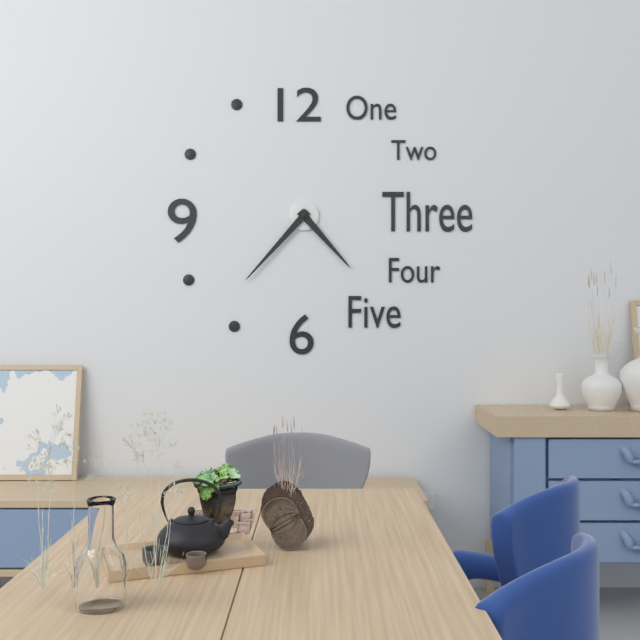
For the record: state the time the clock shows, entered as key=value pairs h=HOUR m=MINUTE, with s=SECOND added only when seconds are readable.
h=4 m=37
